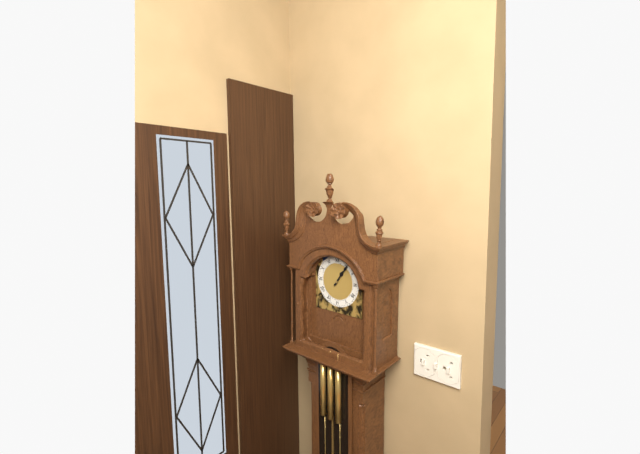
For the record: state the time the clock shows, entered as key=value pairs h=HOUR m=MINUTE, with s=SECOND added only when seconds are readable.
h=1 m=6
